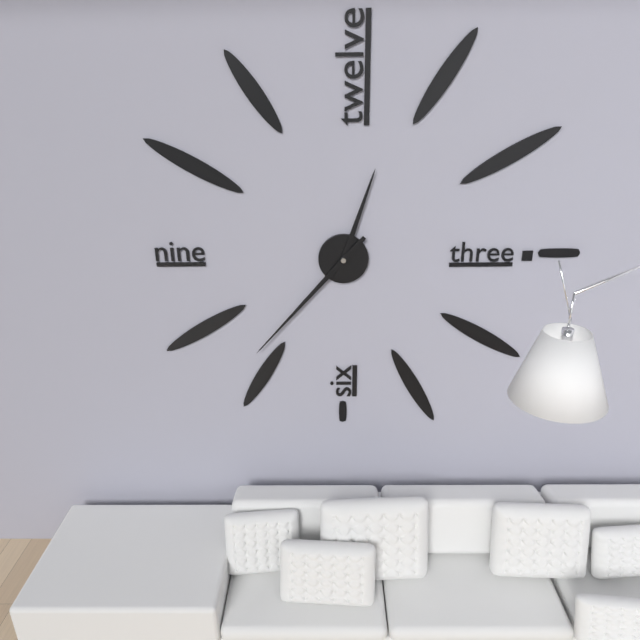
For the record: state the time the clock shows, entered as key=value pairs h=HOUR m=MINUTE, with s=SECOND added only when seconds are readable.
h=12 m=37
